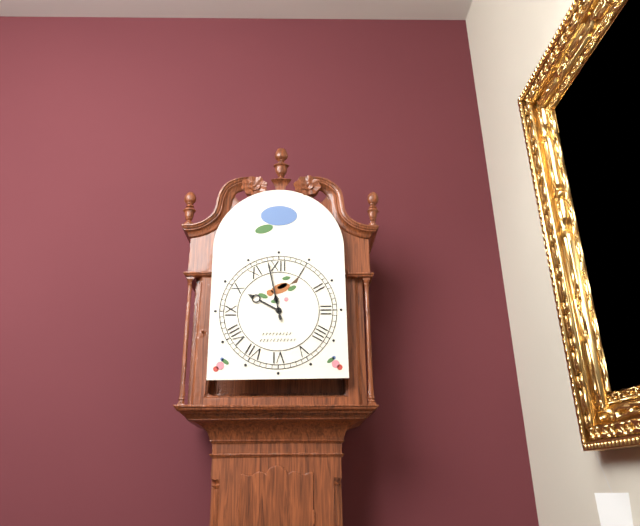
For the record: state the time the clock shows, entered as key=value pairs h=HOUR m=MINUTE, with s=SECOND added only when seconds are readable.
h=9 m=58
